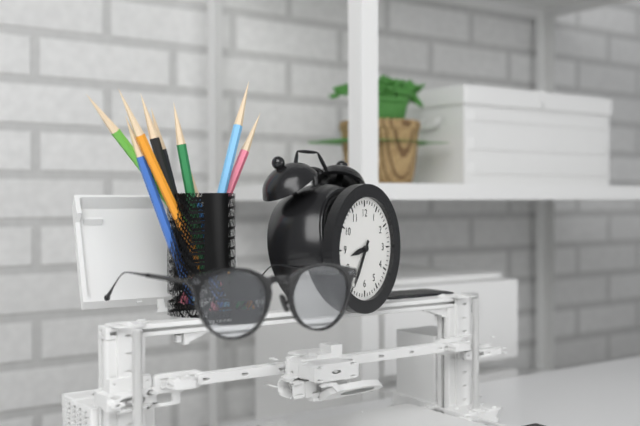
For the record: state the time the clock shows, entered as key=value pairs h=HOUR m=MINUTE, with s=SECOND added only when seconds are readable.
h=8 m=35
